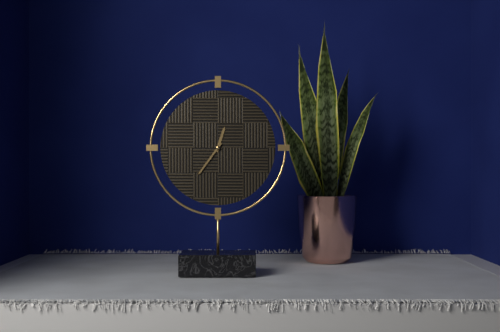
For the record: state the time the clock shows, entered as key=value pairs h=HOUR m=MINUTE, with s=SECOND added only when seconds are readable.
h=12 m=36
